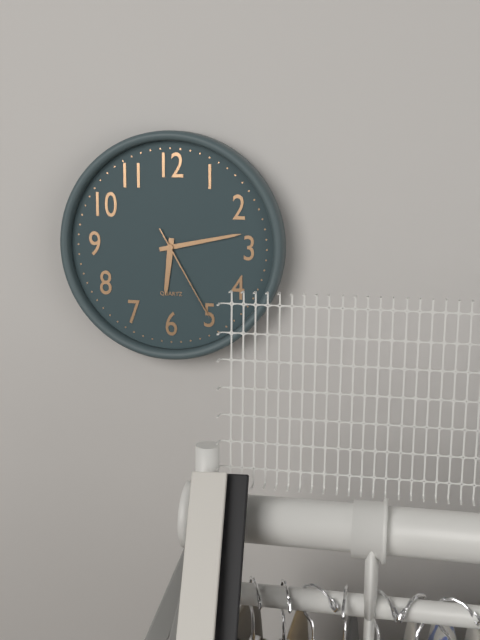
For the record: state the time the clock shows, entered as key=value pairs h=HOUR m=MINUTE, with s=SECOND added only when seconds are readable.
h=6 m=13 s=25
